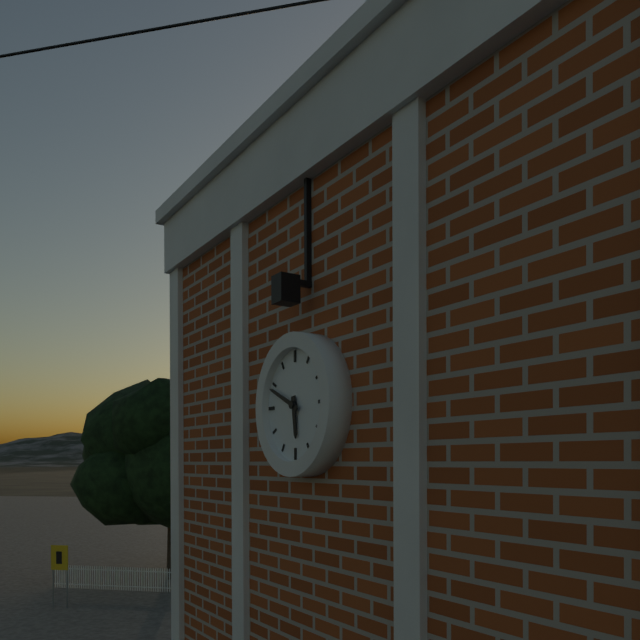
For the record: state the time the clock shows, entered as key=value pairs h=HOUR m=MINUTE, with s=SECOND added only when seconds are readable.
h=5 m=49
